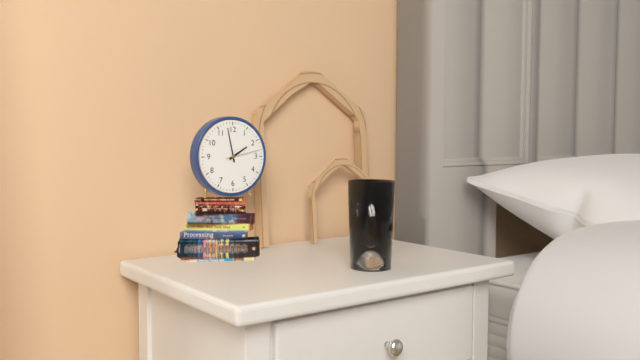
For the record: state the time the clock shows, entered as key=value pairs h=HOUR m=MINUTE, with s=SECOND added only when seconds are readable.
h=1 m=58
